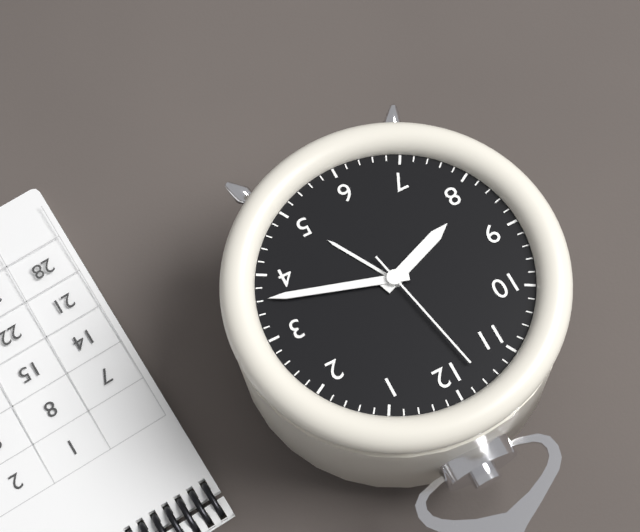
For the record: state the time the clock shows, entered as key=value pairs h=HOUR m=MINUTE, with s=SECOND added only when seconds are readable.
h=8 m=18 s=58
